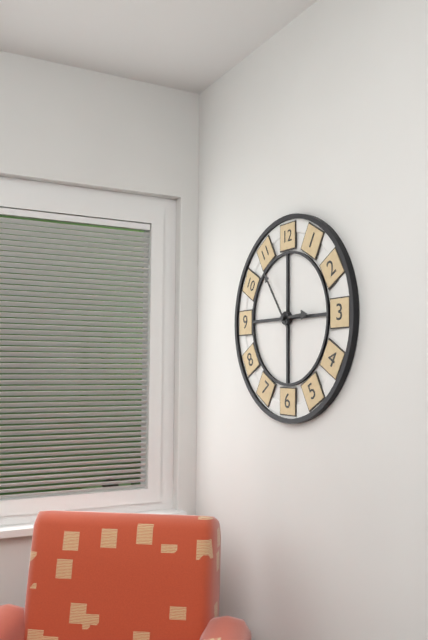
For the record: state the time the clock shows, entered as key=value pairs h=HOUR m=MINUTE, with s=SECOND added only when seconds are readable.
h=2 m=54
